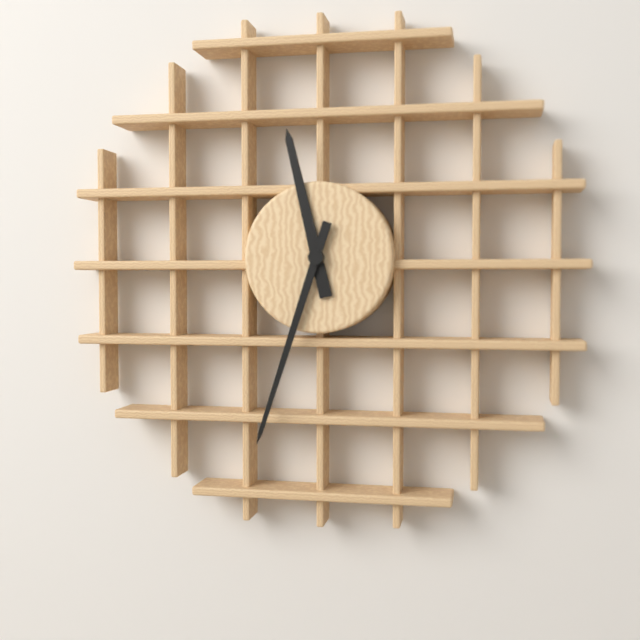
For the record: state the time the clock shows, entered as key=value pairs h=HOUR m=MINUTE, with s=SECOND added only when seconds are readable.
h=11 m=33
